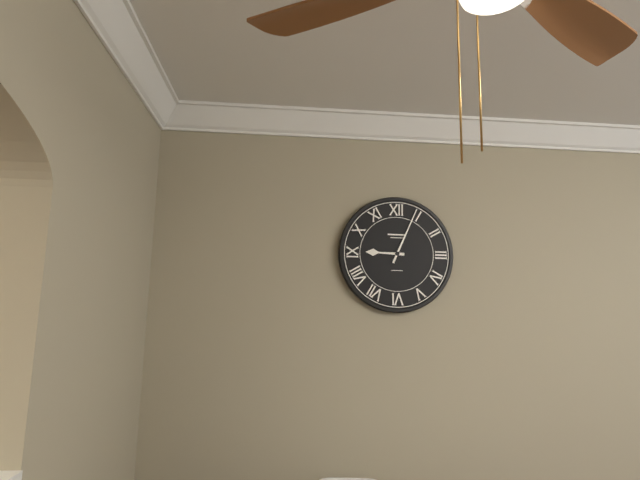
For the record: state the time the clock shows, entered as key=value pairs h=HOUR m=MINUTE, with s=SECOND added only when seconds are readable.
h=9 m=4
